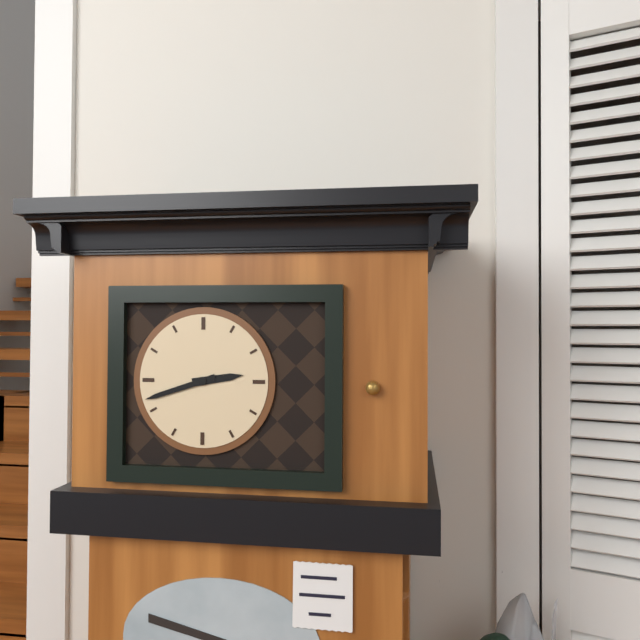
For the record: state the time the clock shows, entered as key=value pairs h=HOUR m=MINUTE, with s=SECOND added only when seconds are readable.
h=2 m=42
